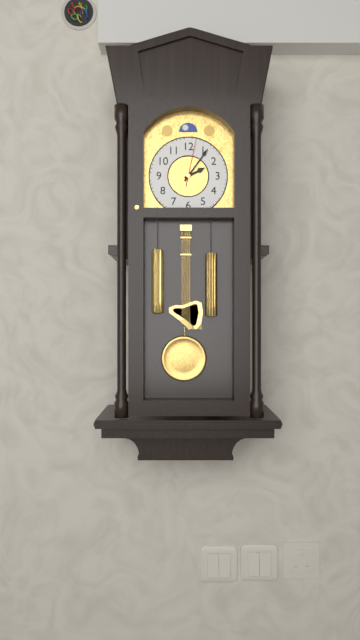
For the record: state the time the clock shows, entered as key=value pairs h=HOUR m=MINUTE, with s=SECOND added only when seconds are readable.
h=2 m=6
